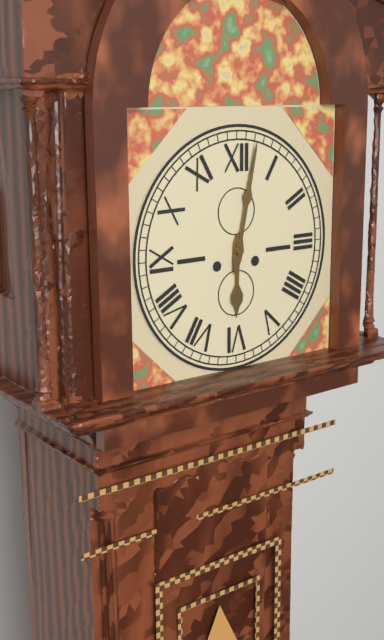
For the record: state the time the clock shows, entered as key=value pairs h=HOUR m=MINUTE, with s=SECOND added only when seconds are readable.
h=6 m=2
